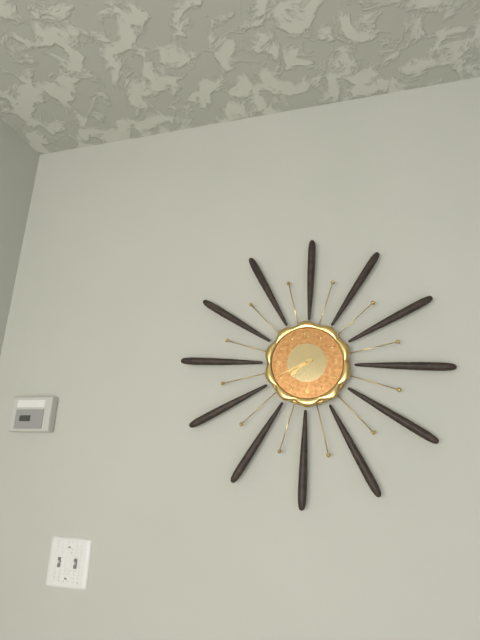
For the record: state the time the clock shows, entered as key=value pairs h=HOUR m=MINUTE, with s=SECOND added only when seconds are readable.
h=7 m=41
